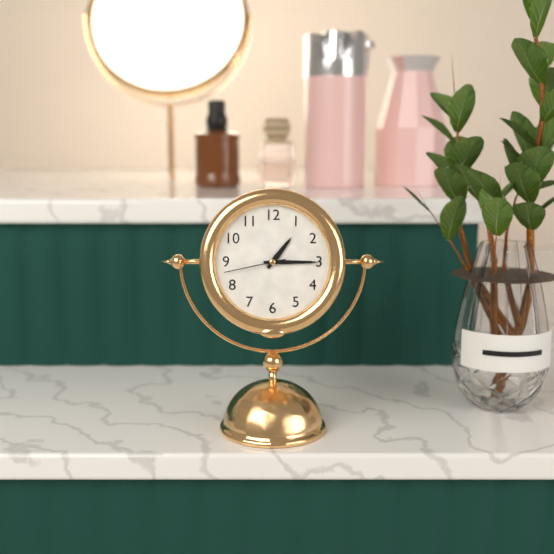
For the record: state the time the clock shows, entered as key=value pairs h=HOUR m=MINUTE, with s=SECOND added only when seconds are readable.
h=1 m=15 s=43
